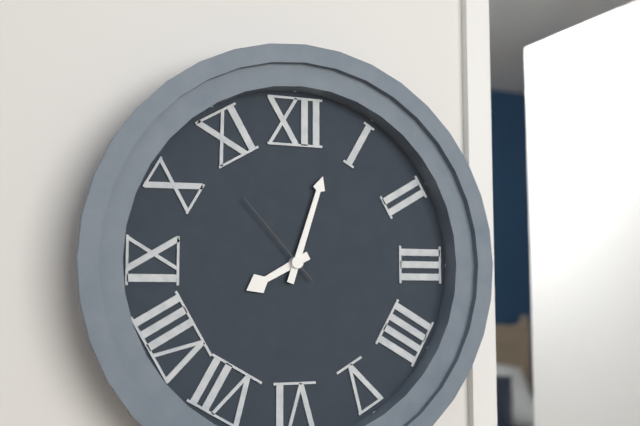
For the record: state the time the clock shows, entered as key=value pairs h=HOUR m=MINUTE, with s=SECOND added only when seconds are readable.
h=8 m=3 s=53
